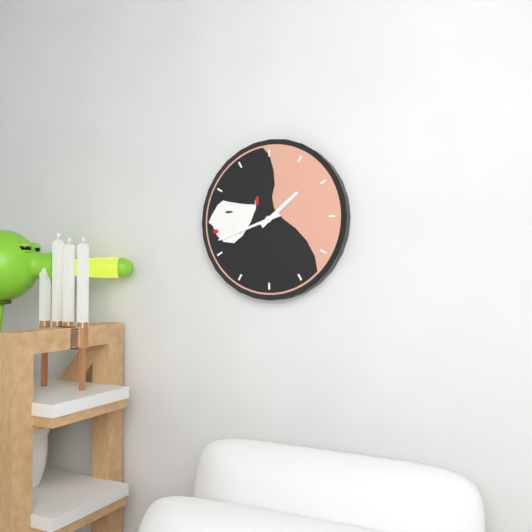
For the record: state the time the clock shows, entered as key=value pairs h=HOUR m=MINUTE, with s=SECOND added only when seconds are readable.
h=1 m=42
